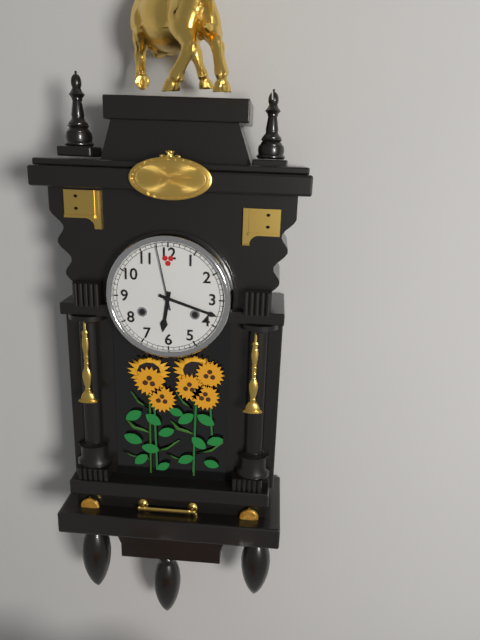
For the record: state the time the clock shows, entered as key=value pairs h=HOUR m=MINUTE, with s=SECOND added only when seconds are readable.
h=6 m=18 s=58
